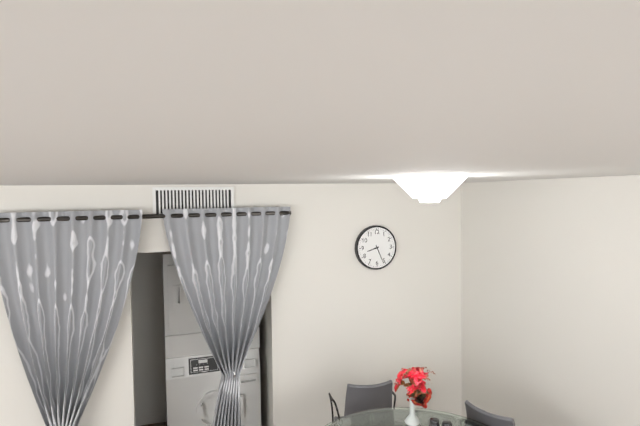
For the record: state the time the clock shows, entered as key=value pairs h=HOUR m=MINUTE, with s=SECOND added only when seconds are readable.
h=8 m=26
